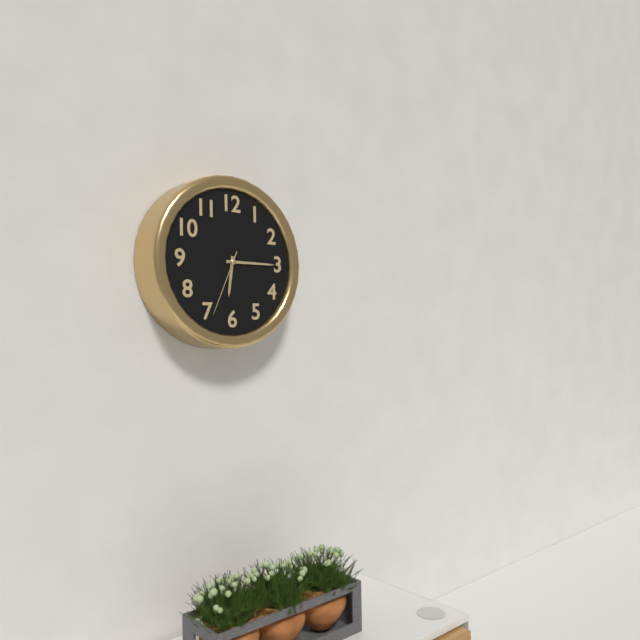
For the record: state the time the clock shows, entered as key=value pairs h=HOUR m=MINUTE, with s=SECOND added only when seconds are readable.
h=6 m=15 s=34
